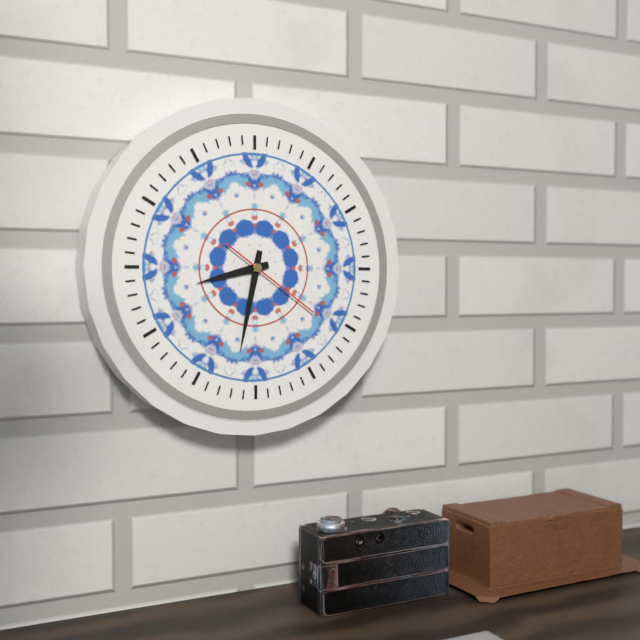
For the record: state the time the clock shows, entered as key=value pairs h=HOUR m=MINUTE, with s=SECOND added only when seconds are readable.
h=8 m=32 s=21
